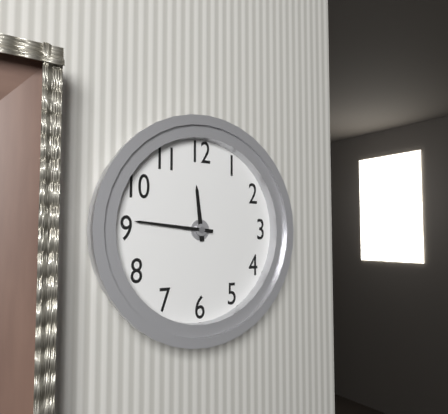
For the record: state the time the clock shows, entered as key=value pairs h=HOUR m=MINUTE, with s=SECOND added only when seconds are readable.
h=11 m=46
